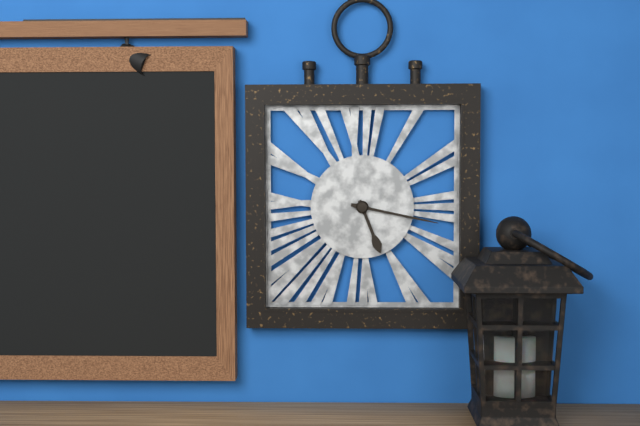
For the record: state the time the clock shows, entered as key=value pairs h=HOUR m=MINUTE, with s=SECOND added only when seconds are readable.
h=5 m=17
